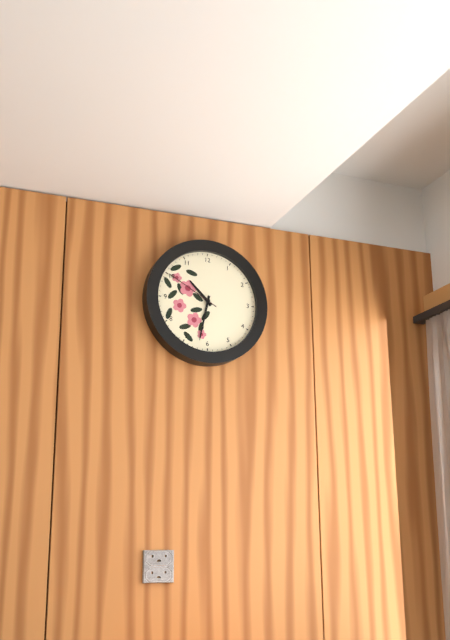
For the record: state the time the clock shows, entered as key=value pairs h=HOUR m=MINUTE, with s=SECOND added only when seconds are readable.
h=10 m=32 s=50
